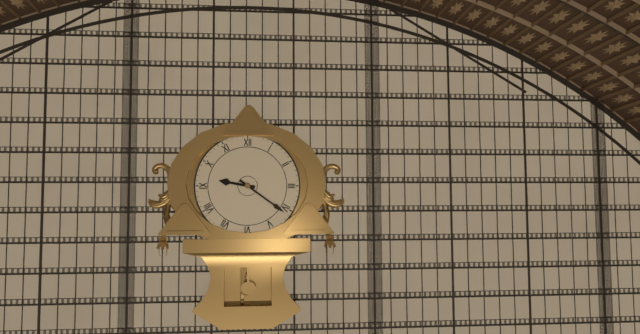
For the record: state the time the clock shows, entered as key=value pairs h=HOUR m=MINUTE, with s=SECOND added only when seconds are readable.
h=9 m=21
